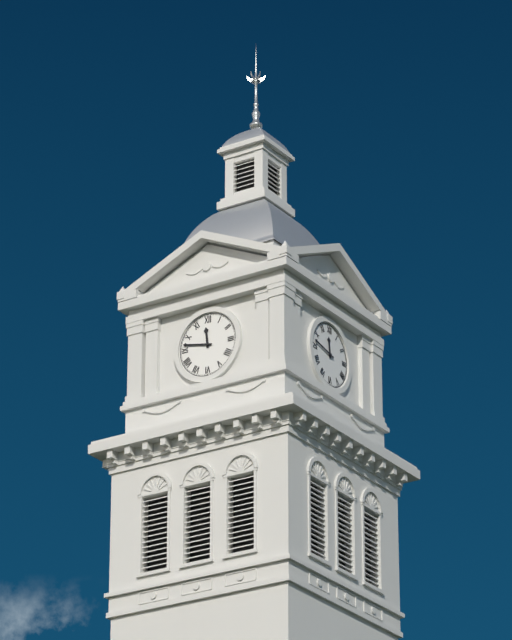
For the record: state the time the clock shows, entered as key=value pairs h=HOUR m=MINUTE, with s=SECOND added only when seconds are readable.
h=11 m=47
